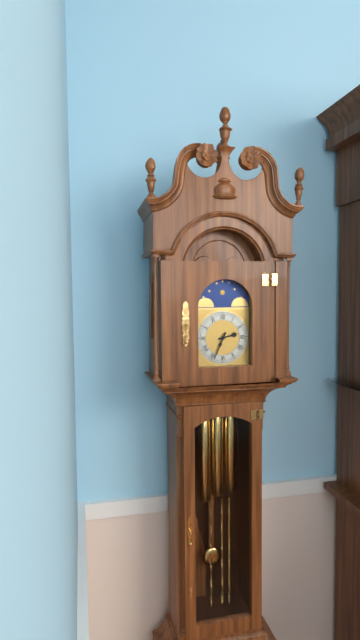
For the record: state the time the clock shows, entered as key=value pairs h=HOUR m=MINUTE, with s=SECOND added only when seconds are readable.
h=2 m=34
